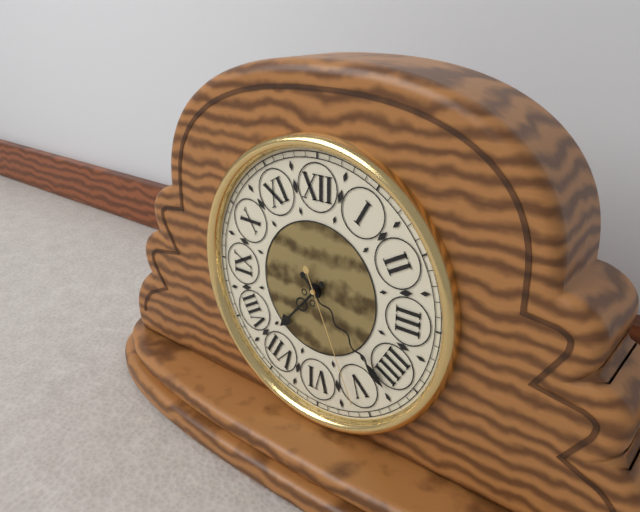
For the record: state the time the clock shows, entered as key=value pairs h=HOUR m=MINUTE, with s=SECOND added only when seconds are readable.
h=7 m=22 s=26
